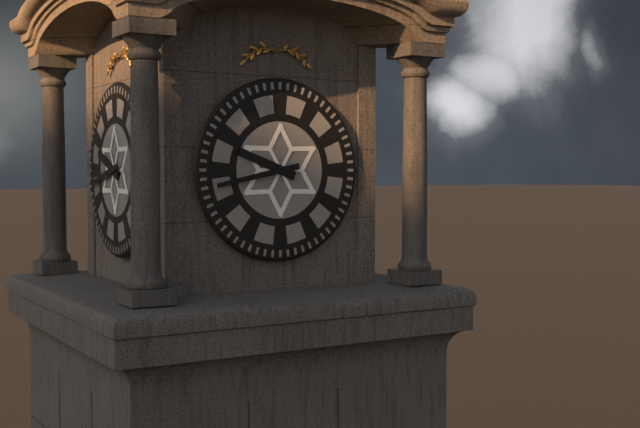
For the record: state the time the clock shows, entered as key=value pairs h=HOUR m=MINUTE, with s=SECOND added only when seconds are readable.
h=9 m=43
